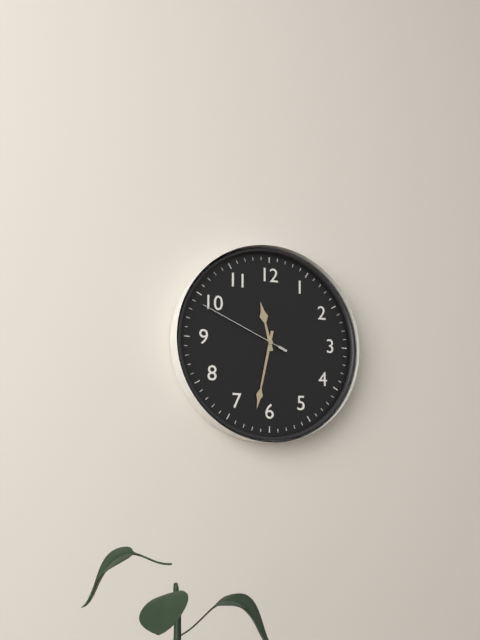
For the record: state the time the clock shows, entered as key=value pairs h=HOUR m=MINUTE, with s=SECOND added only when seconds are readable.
h=11 m=32 s=49
